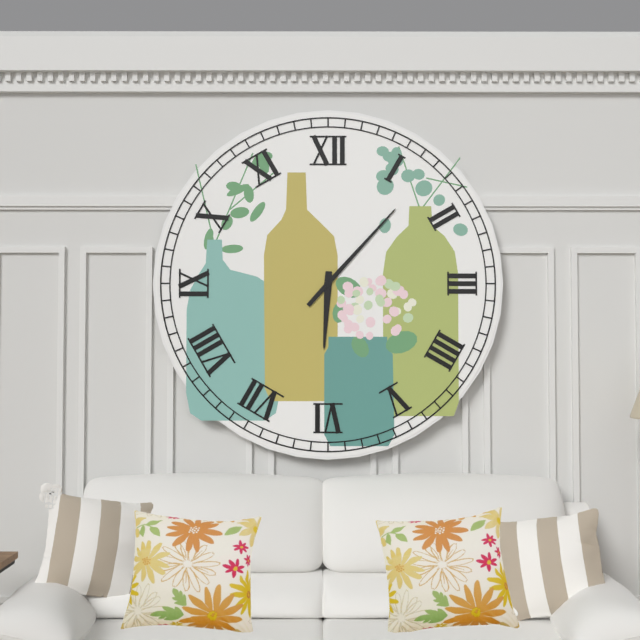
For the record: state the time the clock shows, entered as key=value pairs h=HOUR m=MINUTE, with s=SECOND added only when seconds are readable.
h=6 m=7
